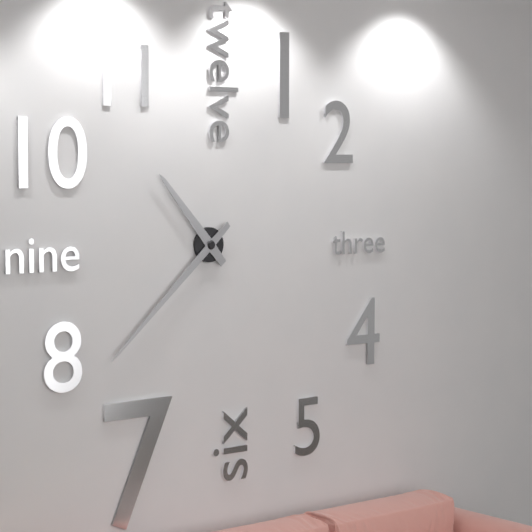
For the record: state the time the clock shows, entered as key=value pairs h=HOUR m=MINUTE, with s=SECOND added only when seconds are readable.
h=10 m=38
